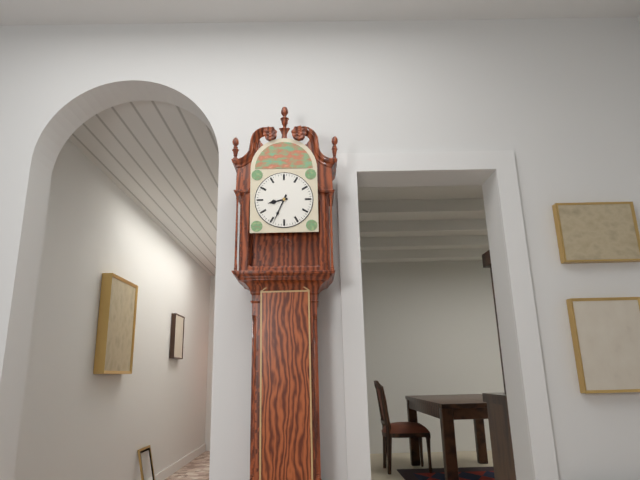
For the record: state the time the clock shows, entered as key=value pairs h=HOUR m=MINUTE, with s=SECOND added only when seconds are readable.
h=8 m=34
